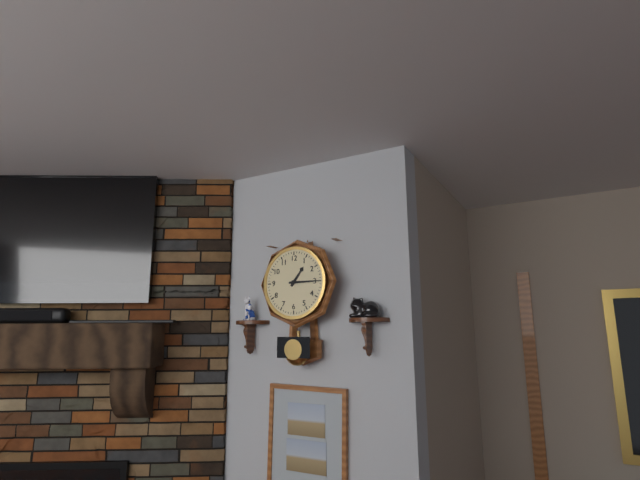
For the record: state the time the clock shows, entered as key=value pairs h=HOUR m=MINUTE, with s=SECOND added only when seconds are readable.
h=1 m=15
